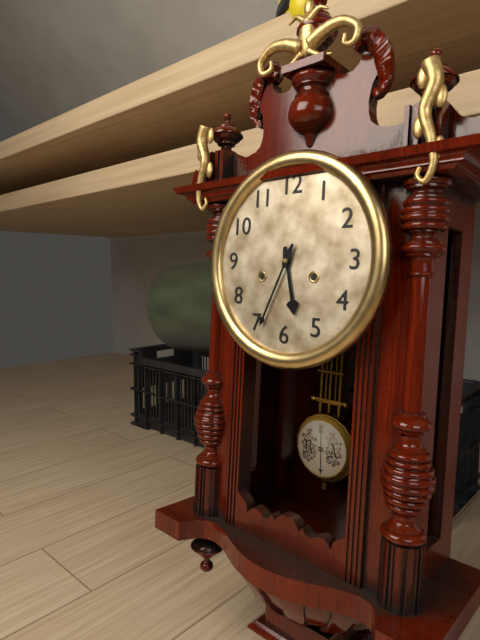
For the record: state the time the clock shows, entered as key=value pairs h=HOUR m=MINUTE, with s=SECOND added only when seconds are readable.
h=5 m=34
